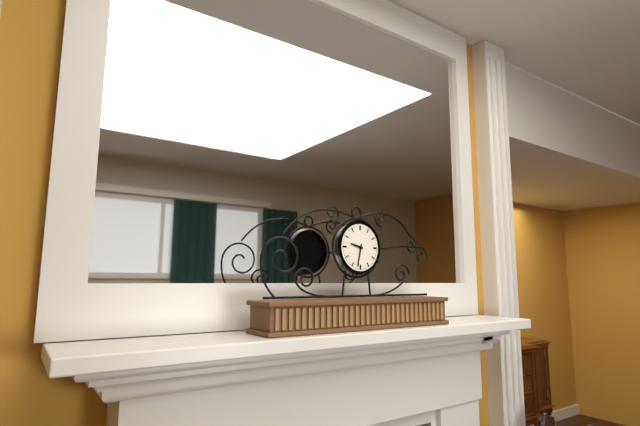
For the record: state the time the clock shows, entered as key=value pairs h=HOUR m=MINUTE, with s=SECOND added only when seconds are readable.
h=9 m=32
